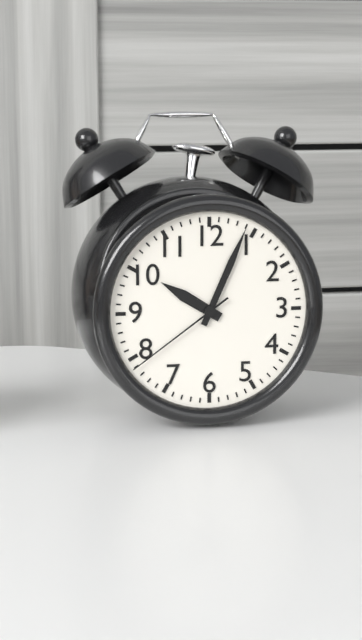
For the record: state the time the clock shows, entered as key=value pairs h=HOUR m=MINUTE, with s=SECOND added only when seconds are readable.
h=10 m=4 s=39
